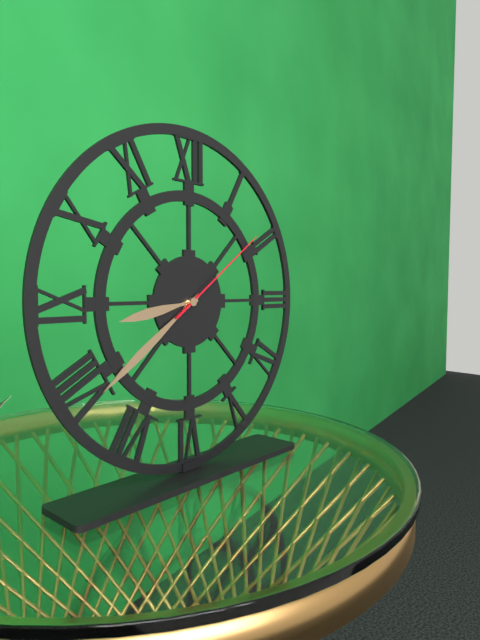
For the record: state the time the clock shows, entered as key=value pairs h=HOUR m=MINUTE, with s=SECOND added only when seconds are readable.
h=8 m=39 s=9
